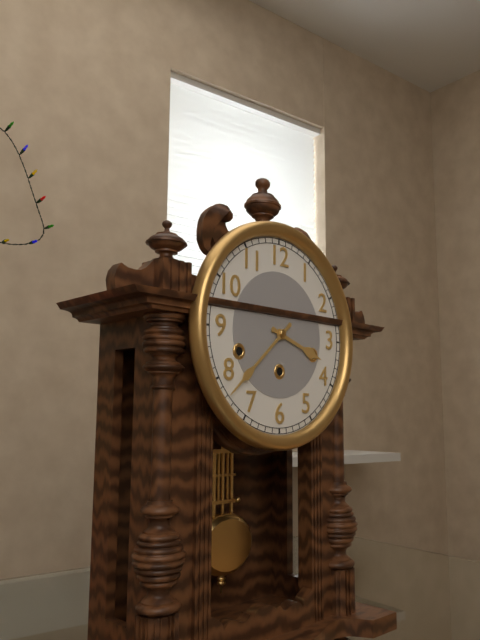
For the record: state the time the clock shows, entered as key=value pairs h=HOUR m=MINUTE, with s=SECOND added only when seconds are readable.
h=3 m=38
